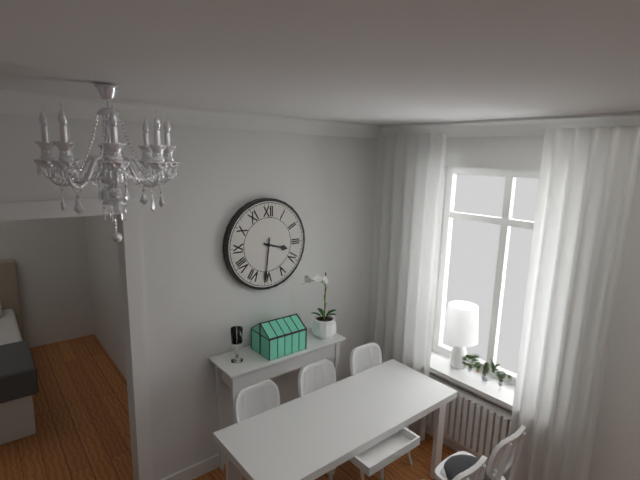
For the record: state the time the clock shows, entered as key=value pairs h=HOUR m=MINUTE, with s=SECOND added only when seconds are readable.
h=3 m=31
